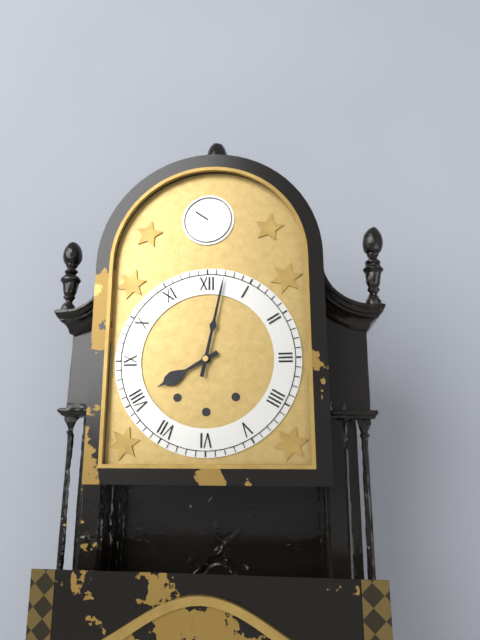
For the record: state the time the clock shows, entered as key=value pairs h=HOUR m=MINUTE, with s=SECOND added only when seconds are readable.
h=8 m=2
